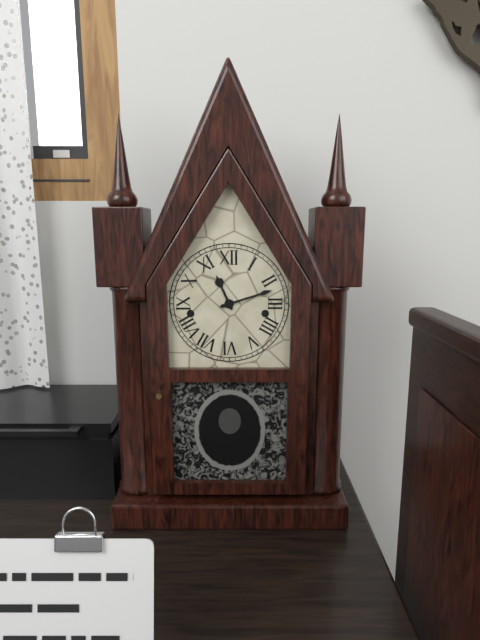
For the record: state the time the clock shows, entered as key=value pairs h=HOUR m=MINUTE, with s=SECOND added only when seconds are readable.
h=11 m=12
